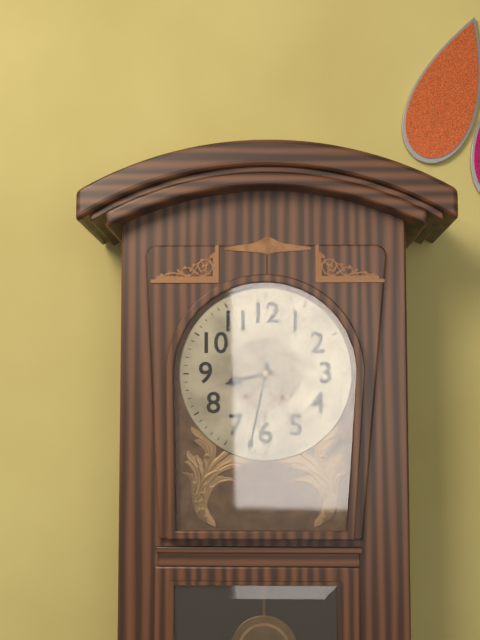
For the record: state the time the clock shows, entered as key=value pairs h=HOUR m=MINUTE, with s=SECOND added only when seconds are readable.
h=8 m=32
